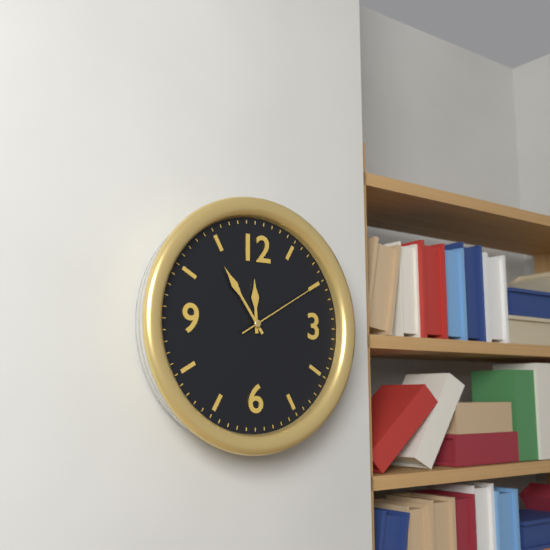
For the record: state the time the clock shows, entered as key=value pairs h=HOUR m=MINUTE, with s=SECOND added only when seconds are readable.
h=11 m=54 s=10
